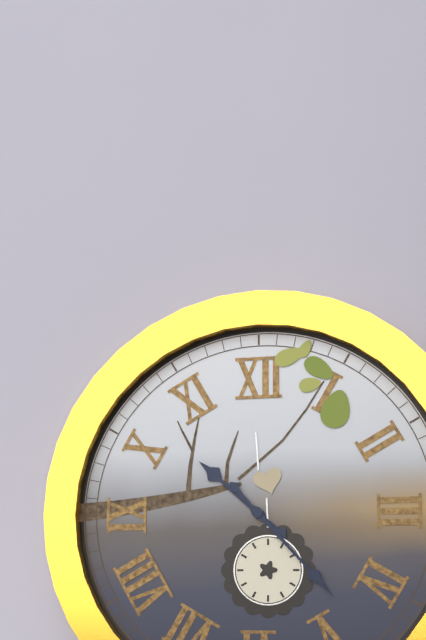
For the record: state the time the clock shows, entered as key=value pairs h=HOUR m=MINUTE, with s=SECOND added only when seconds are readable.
h=10 m=23
